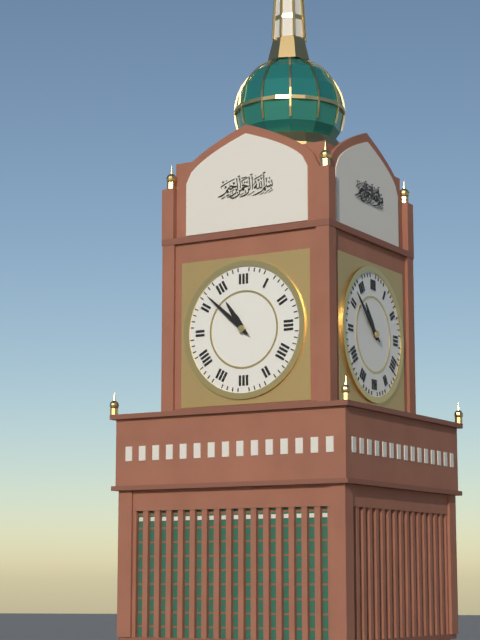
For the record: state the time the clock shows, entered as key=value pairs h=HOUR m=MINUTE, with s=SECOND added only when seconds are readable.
h=10 m=52
